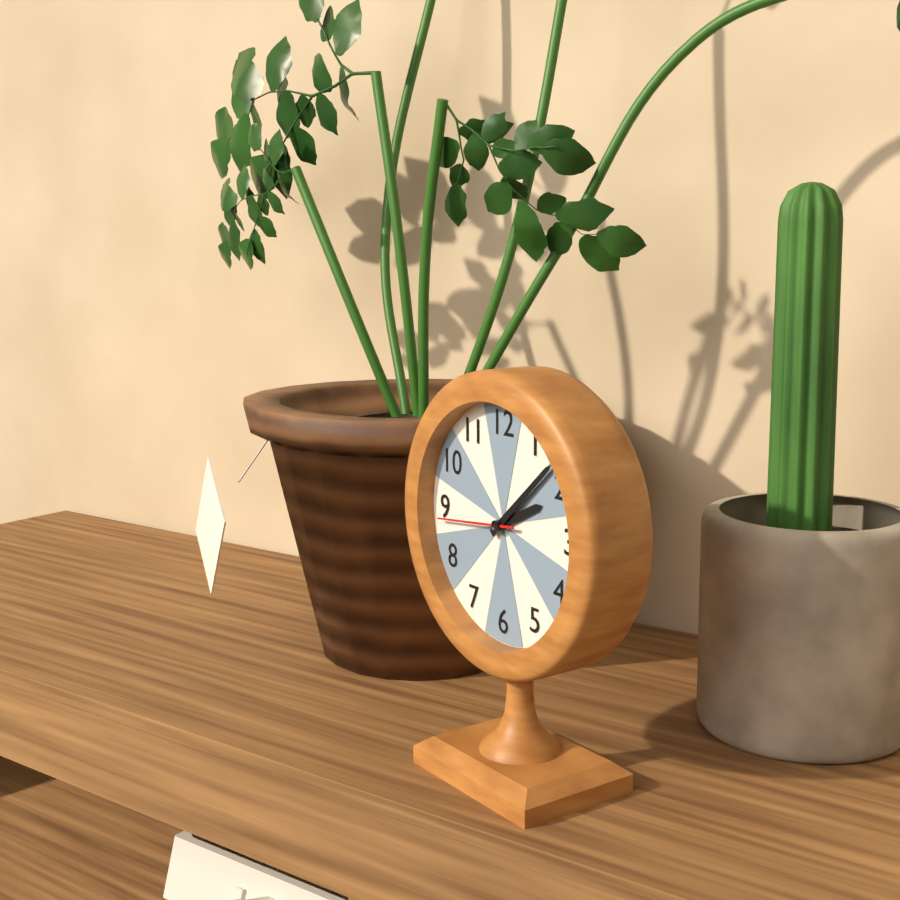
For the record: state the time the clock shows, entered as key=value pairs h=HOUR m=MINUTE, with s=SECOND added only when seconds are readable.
h=2 m=8 s=44
